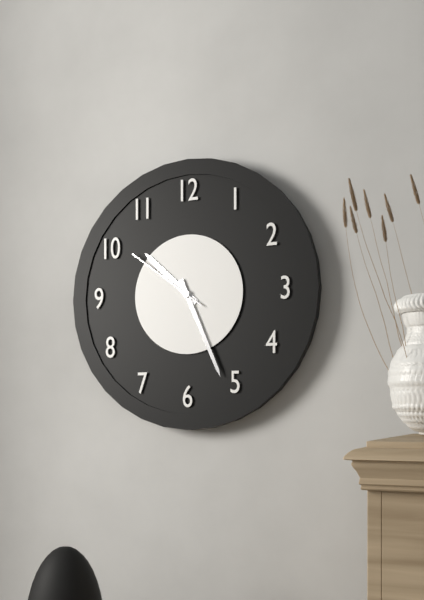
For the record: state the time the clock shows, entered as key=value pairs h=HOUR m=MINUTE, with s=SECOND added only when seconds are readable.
h=10 m=26 s=51
